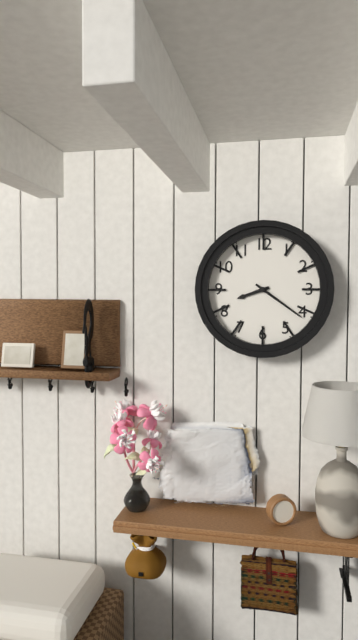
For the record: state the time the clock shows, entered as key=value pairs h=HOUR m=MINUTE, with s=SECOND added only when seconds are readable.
h=8 m=21
